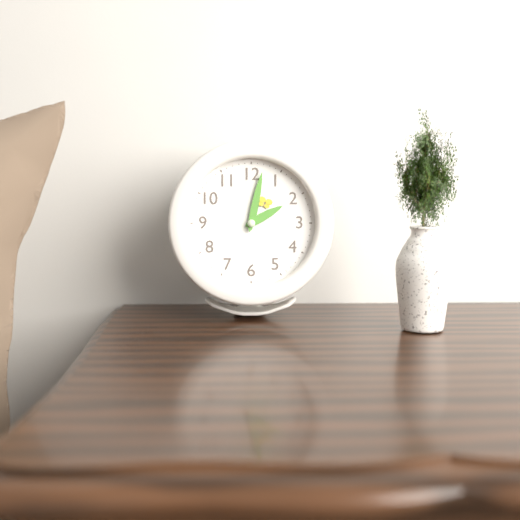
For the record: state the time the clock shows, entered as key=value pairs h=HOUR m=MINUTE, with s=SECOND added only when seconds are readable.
h=2 m=2
